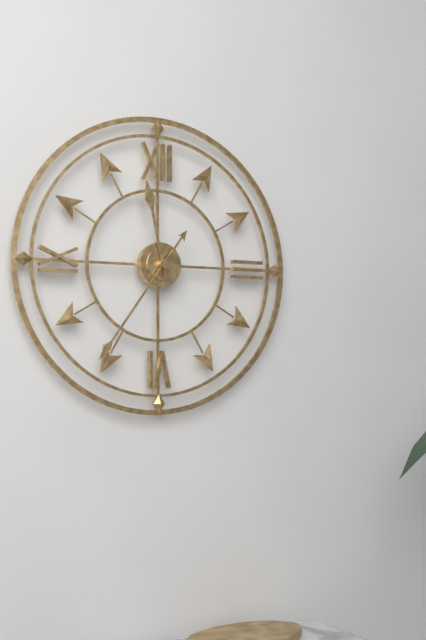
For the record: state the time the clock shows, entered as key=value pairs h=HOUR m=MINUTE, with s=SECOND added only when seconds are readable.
h=11 m=36
